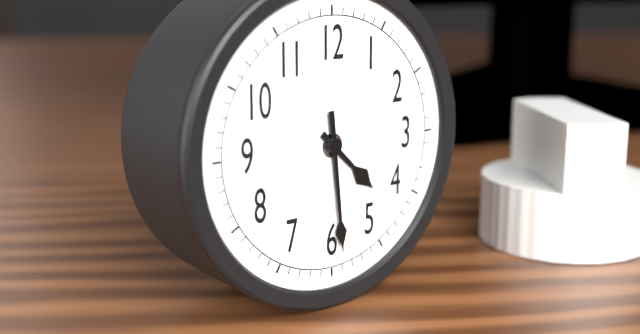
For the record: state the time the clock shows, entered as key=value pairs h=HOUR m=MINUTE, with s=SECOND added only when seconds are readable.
h=4 m=29
